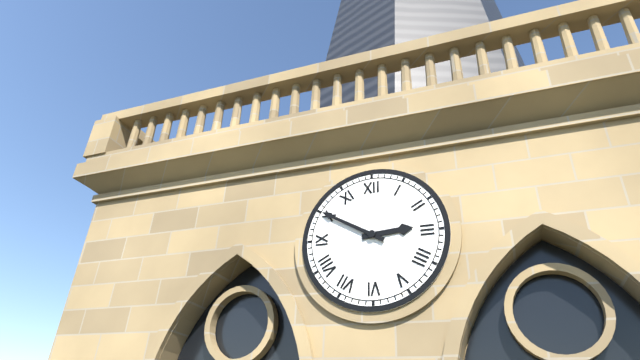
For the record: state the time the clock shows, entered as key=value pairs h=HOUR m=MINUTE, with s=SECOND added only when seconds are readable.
h=2 m=50
